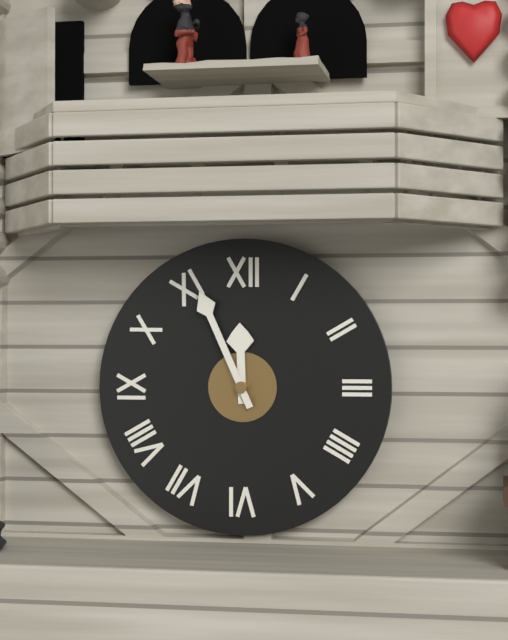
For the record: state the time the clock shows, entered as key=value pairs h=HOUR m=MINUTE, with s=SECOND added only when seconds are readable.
h=11 m=56
